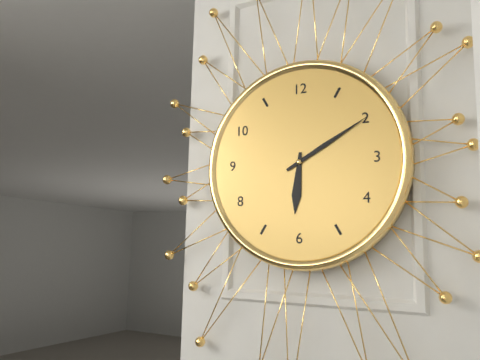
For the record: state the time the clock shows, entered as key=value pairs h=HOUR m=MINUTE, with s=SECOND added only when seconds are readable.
h=6 m=10
